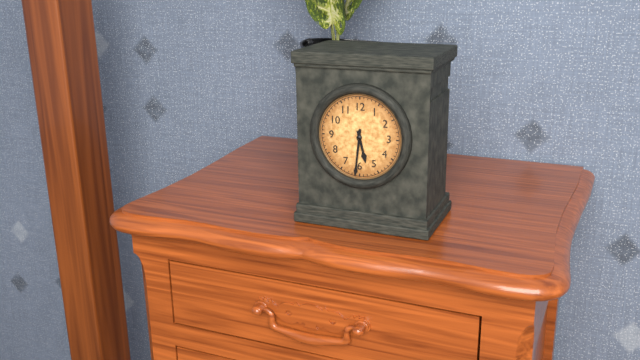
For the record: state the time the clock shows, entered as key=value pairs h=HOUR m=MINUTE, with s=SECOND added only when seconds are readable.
h=5 m=31
